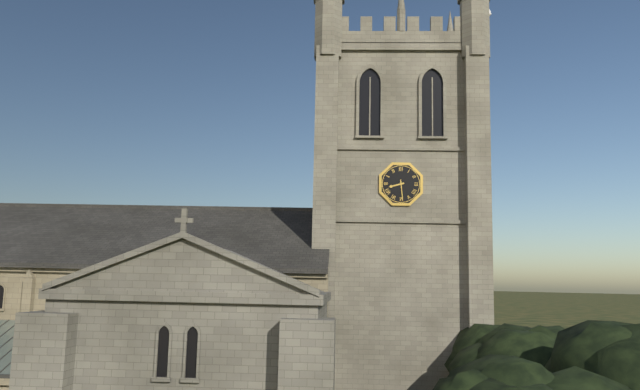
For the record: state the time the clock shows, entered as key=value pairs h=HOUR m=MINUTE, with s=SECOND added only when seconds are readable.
h=8 m=29
